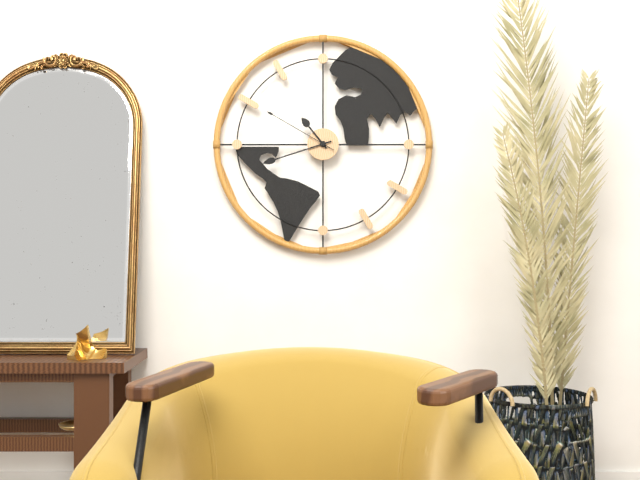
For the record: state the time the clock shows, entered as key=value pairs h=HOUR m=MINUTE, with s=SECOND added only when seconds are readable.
h=10 m=42 s=50
